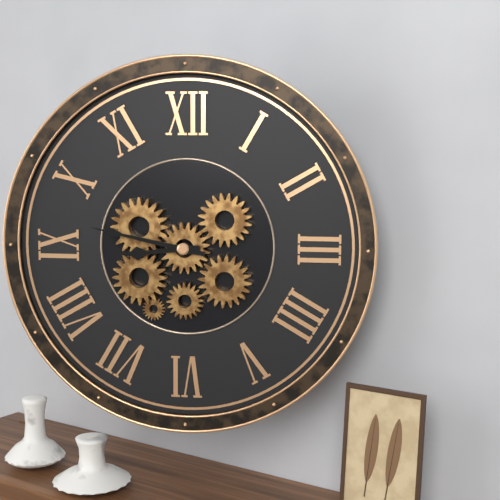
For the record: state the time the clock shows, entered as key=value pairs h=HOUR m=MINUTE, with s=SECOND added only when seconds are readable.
h=8 m=47
